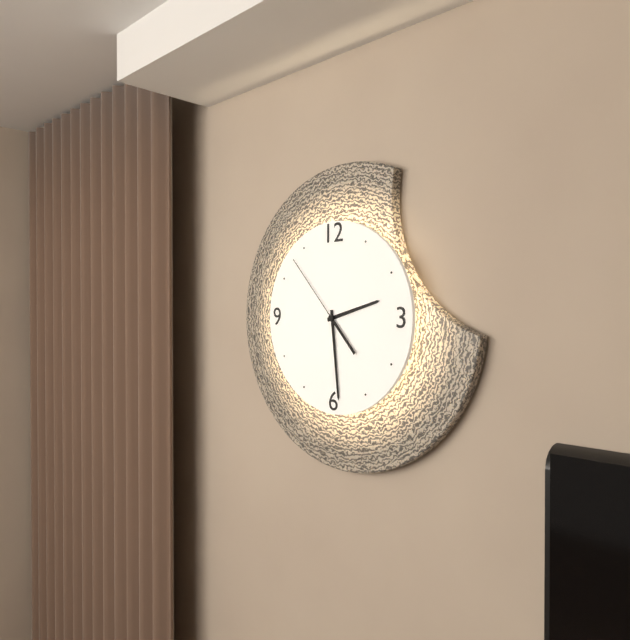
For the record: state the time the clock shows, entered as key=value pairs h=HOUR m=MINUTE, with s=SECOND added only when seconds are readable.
h=2 m=29 s=53
